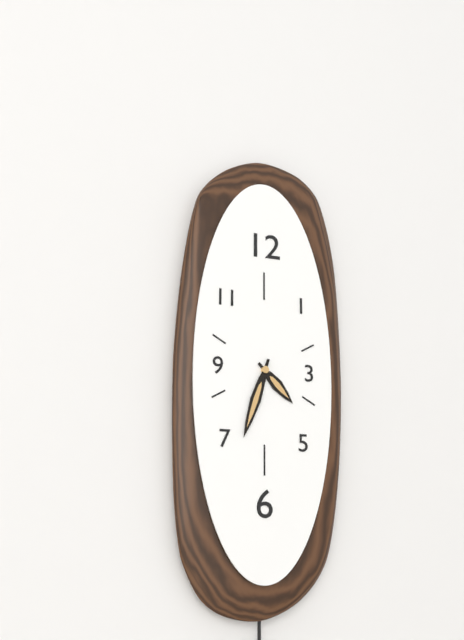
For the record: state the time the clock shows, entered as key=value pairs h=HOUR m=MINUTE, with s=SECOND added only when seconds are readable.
h=4 m=33
